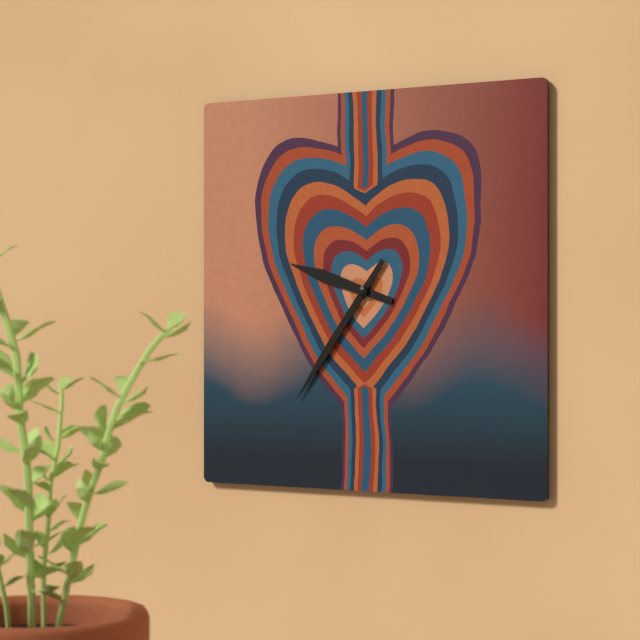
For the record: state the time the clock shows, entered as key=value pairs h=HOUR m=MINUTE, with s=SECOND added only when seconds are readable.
h=9 m=36
